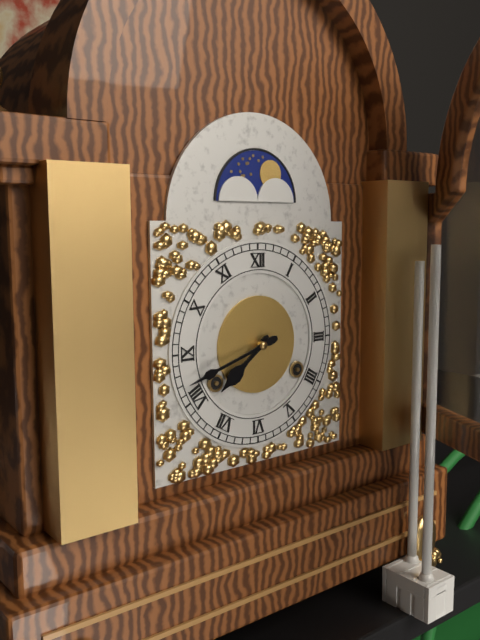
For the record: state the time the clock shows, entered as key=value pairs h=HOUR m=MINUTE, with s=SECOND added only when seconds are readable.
h=7 m=42
